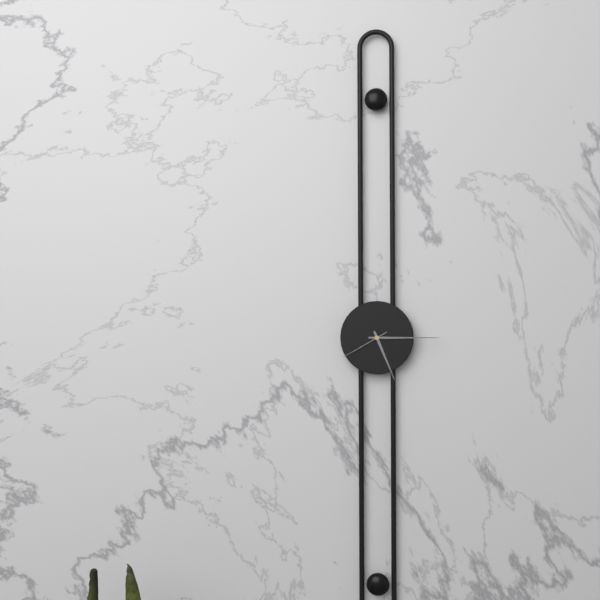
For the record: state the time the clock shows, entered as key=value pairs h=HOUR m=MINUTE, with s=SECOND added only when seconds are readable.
h=5 m=15 s=40
